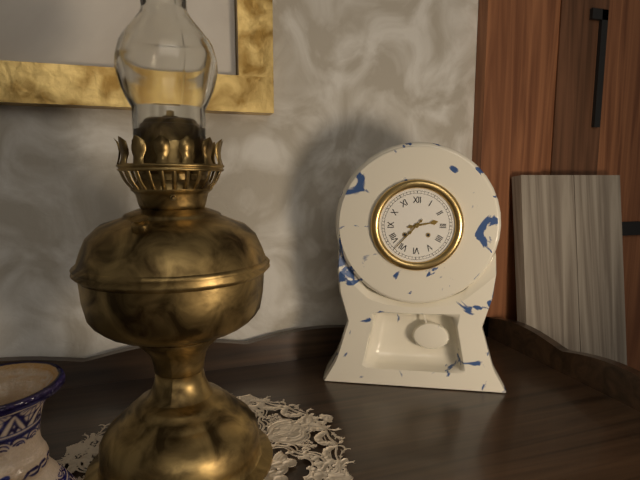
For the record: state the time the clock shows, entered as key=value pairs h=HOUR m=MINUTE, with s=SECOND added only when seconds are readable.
h=2 m=37
